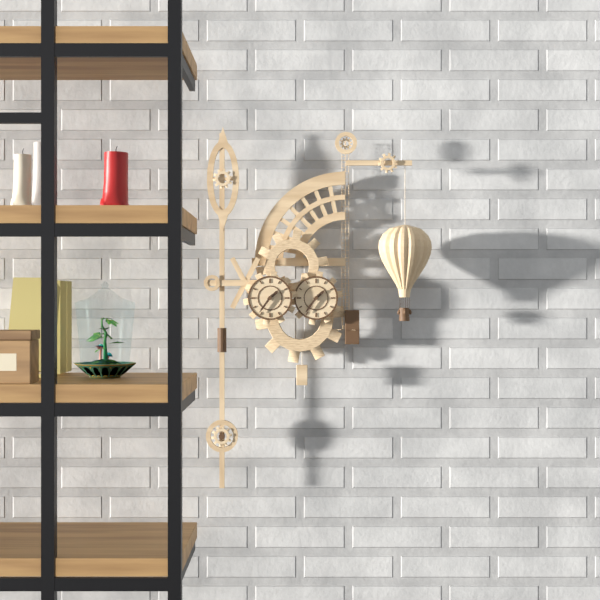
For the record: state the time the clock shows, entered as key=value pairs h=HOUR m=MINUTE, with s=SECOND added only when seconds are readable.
h=1 m=36
